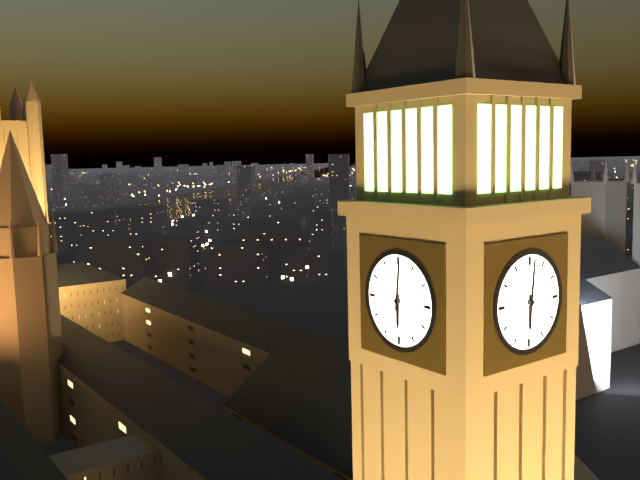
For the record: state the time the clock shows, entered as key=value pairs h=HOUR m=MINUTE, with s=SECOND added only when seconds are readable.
h=6 m=1
